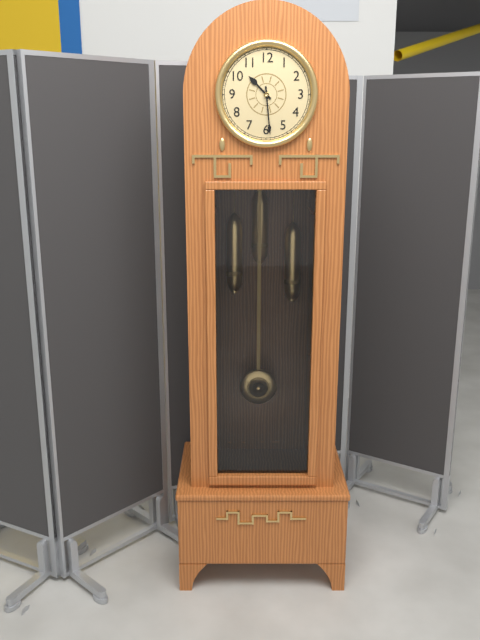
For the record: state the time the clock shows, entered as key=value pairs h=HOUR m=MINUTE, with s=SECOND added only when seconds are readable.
h=10 m=29
